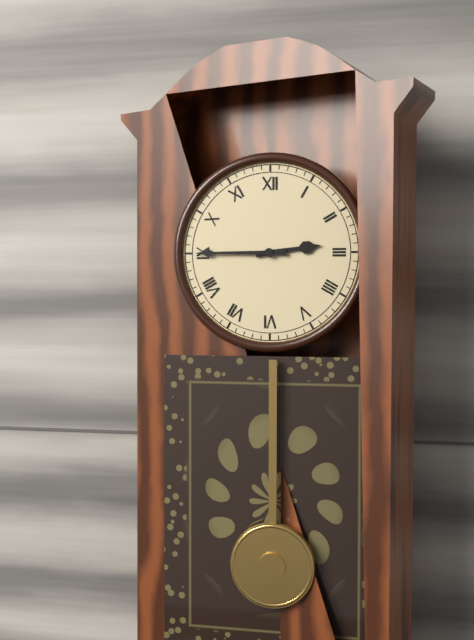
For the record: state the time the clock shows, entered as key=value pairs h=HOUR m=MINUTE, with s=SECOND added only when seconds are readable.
h=2 m=45
